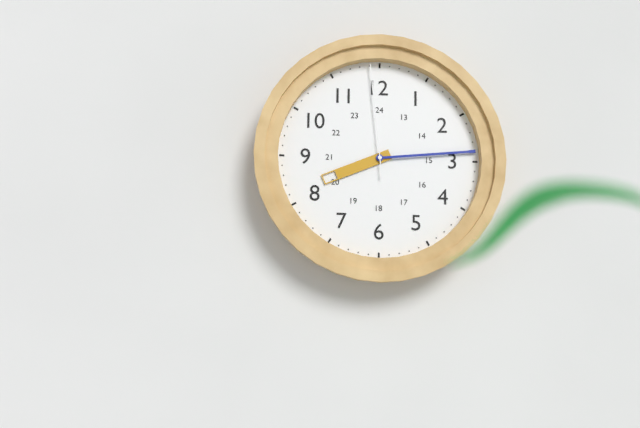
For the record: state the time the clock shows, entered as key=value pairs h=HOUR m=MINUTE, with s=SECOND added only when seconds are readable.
h=8 m=14 s=59
